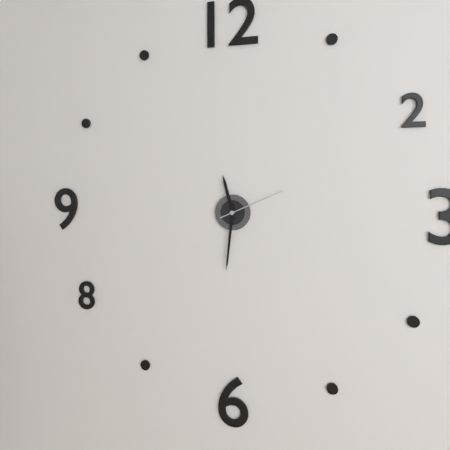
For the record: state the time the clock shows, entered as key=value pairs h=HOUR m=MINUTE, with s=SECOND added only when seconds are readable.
h=11 m=31 s=11
